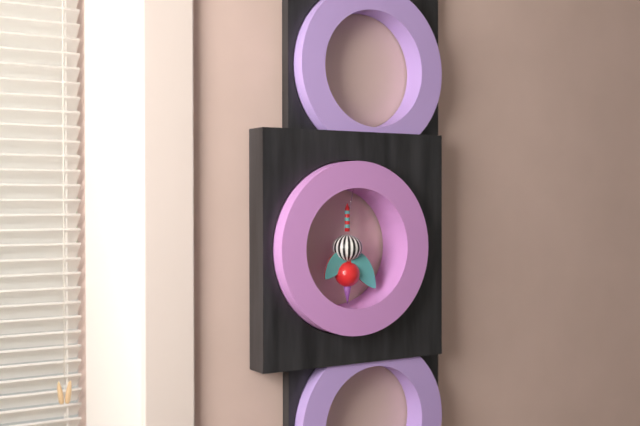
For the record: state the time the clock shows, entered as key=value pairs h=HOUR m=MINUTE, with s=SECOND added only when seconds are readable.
h=7 m=24
